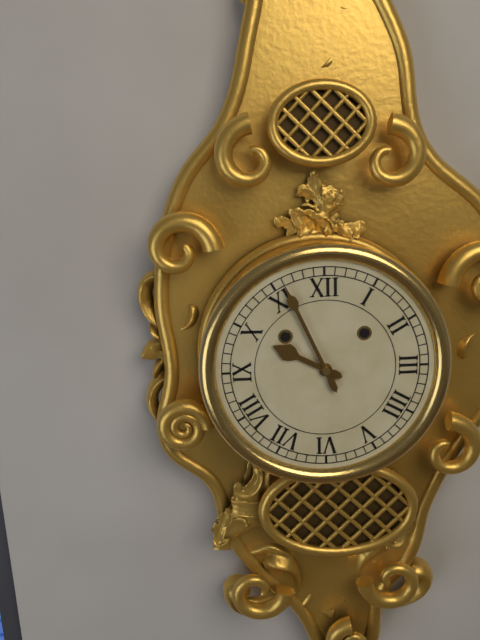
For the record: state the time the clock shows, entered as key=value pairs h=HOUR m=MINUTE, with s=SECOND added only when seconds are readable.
h=9 m=56
